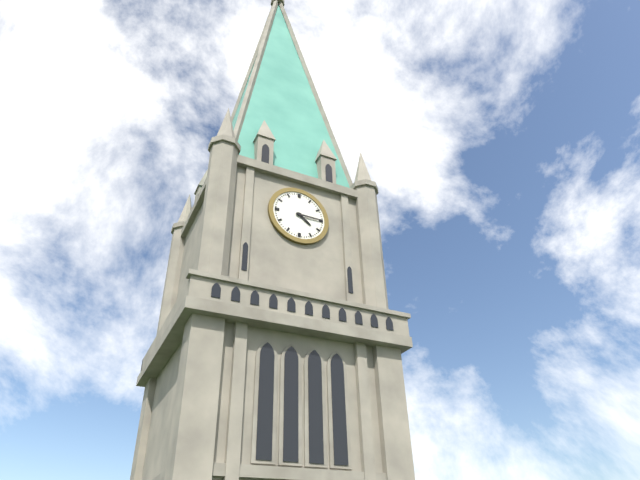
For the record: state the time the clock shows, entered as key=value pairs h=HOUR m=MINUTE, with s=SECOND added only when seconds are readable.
h=4 m=15
